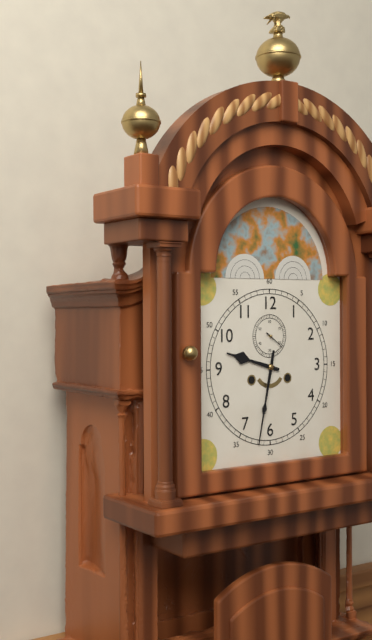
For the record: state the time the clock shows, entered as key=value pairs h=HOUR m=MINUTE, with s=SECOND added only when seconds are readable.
h=9 m=32
